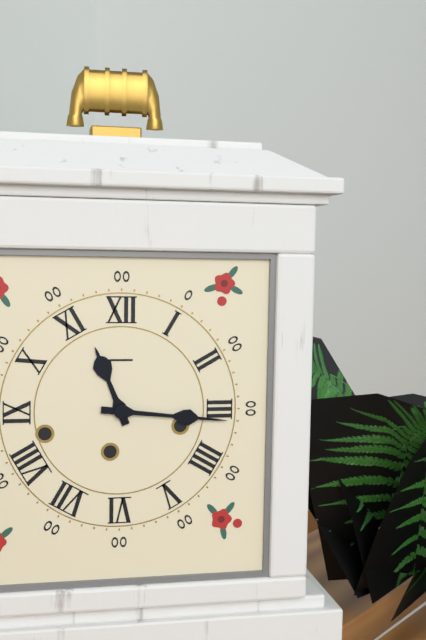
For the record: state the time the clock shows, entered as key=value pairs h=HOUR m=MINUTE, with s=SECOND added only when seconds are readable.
h=11 m=16
